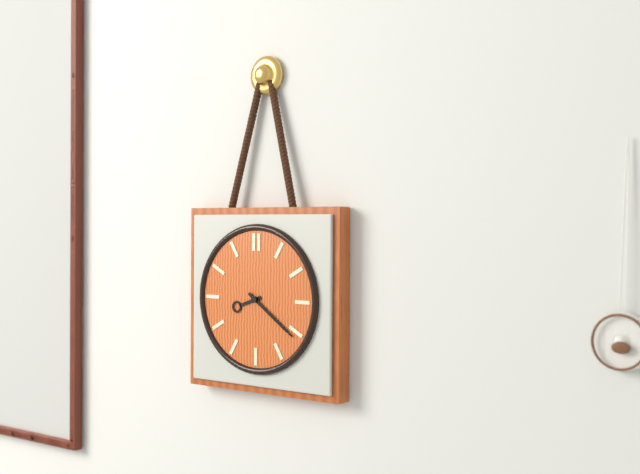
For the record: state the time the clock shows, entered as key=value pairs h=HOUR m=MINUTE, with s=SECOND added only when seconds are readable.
h=8 m=21
